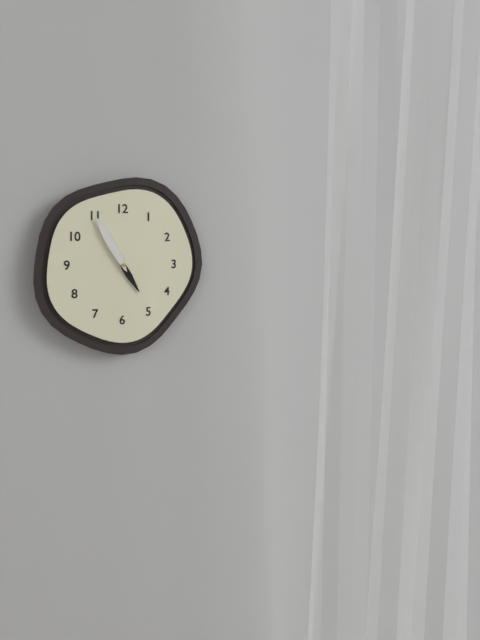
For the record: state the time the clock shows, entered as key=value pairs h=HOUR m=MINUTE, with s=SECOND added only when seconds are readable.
h=4 m=55
